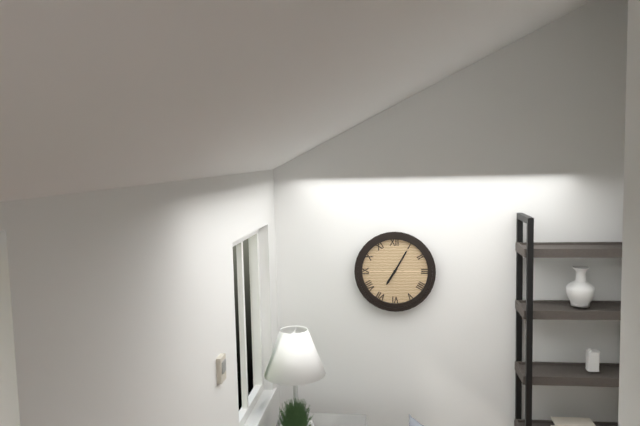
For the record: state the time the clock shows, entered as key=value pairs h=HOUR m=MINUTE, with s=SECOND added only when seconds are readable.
h=7 m=5
